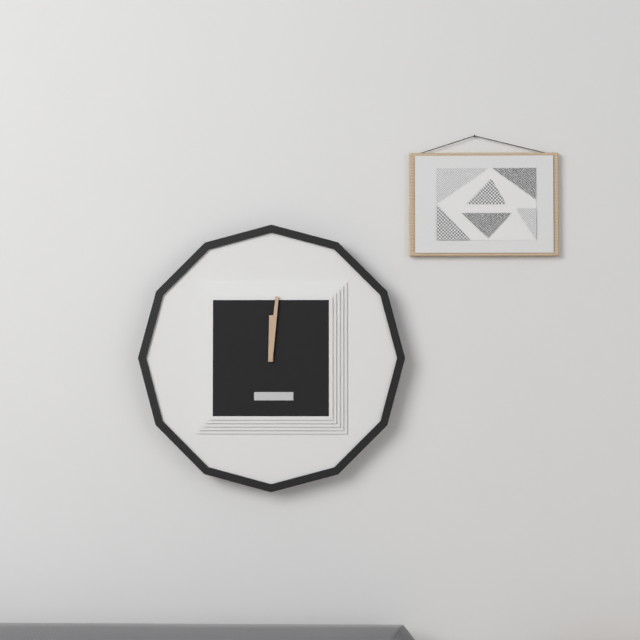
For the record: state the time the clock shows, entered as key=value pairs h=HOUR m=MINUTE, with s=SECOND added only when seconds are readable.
h=12 m=1
